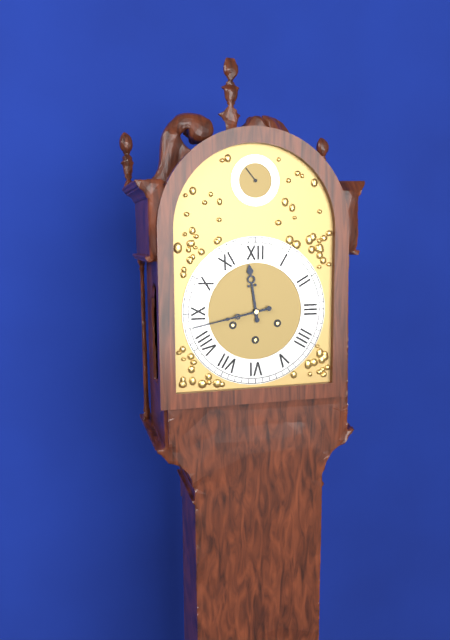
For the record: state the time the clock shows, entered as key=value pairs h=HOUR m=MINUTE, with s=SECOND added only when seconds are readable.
h=11 m=43
